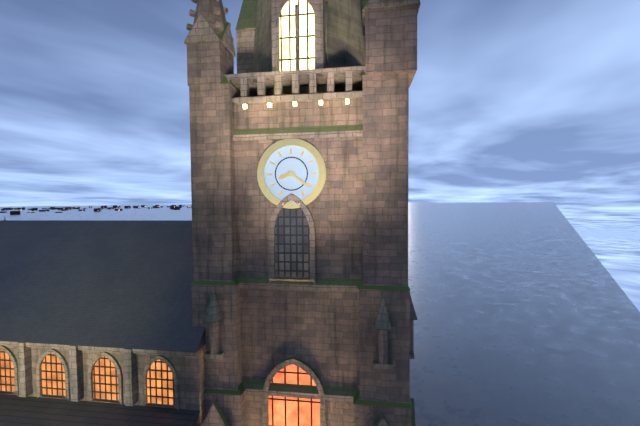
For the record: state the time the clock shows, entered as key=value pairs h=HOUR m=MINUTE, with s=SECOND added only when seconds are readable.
h=8 m=21
